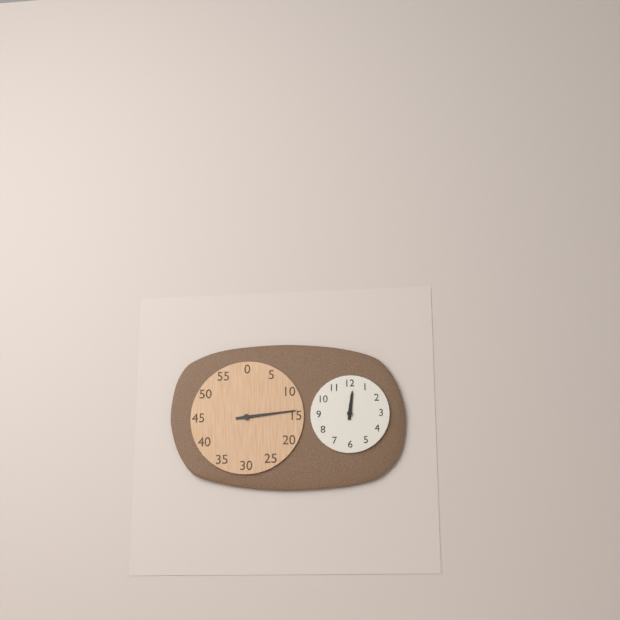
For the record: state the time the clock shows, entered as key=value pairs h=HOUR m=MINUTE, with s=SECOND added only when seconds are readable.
h=12 m=14
